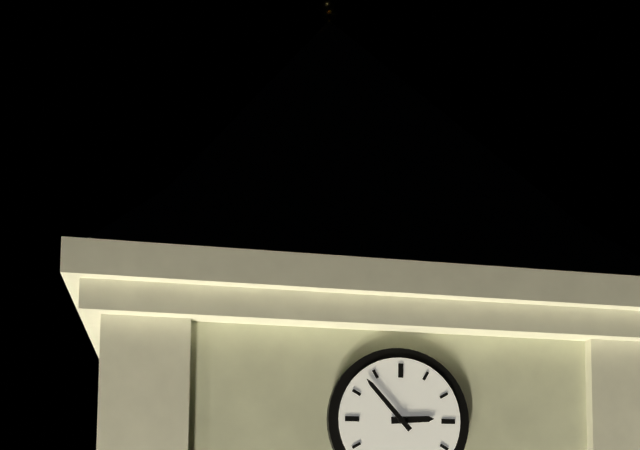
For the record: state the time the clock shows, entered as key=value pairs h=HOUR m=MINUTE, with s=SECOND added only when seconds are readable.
h=2 m=53
